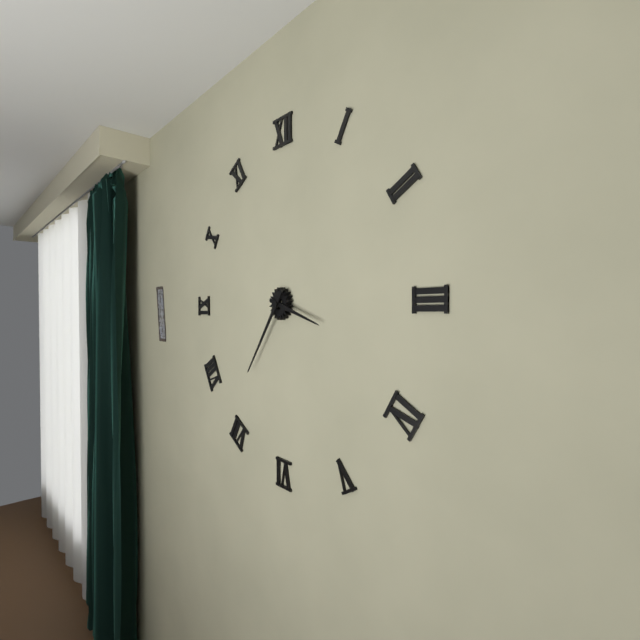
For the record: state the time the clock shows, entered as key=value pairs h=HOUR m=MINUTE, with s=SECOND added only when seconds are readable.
h=3 m=36
